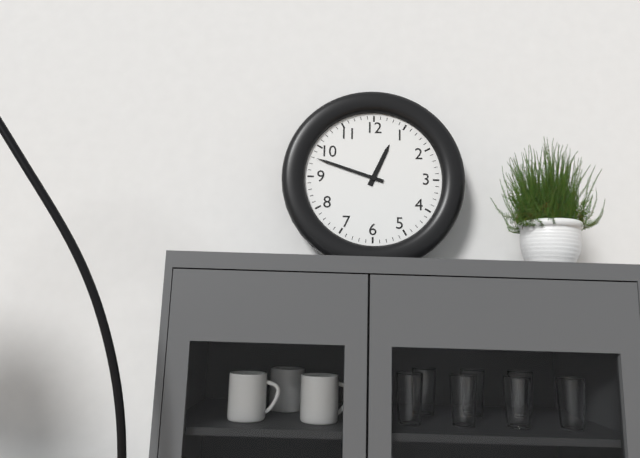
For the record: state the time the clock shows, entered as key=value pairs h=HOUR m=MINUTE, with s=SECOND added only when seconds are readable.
h=12 m=48
